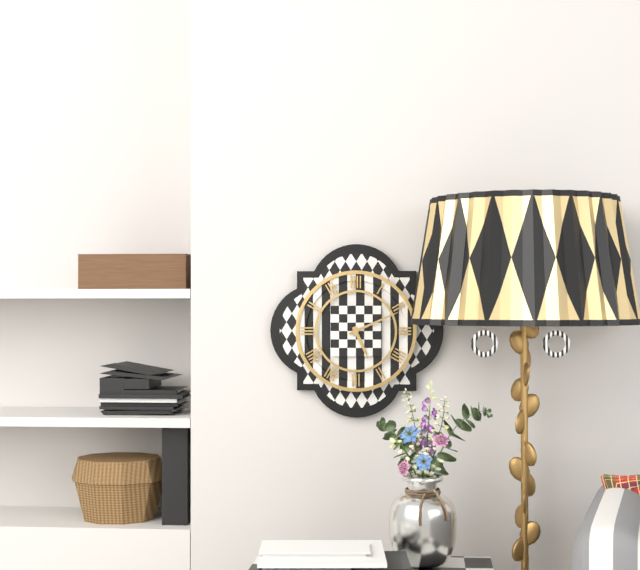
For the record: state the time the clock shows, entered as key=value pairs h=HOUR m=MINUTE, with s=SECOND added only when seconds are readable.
h=5 m=11
